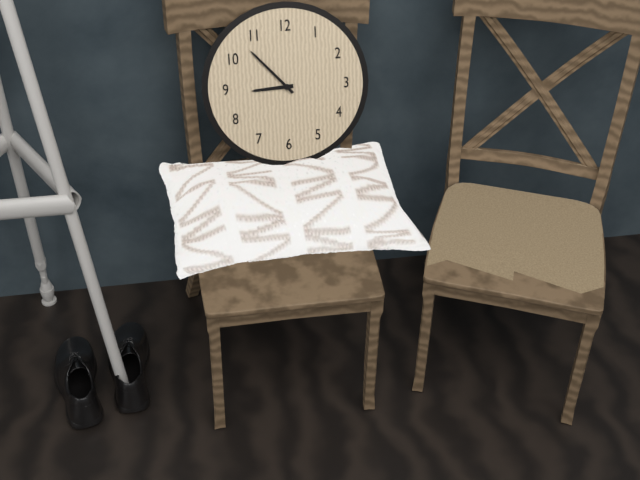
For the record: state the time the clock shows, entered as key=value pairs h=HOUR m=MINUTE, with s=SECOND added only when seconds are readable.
h=8 m=53
